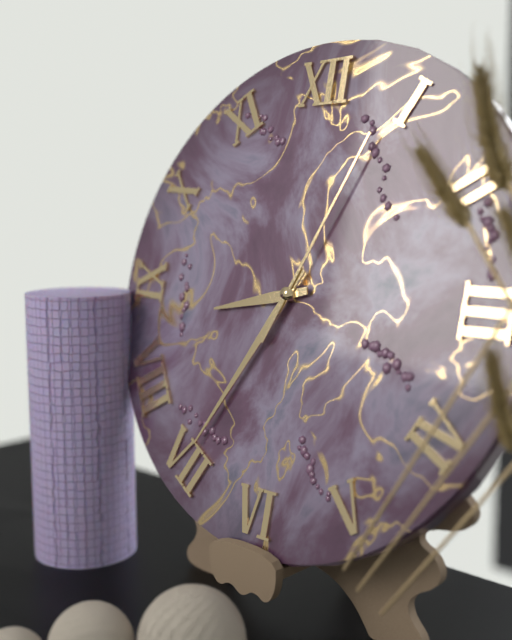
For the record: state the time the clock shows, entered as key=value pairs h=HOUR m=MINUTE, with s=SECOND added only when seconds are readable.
h=8 m=35 s=4
